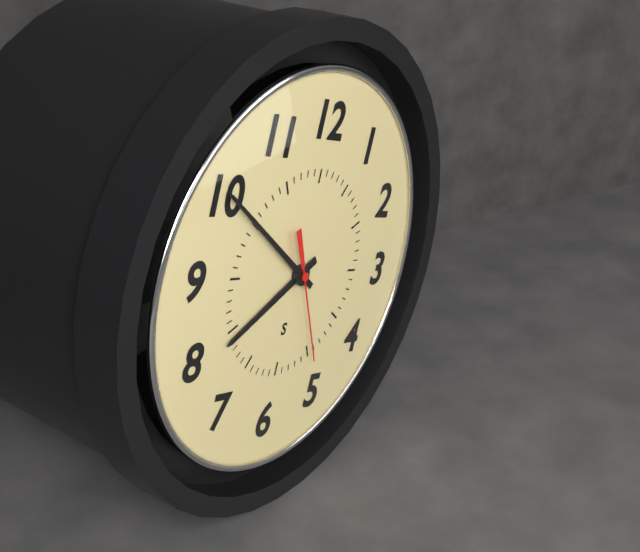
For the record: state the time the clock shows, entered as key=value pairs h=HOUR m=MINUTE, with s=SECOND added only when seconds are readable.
h=7 m=50 s=25
